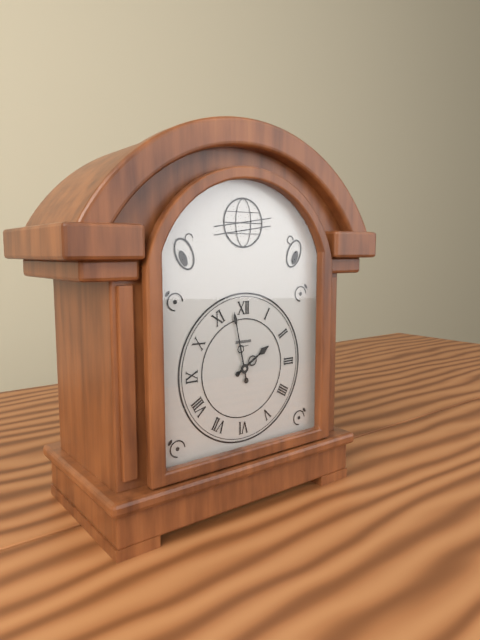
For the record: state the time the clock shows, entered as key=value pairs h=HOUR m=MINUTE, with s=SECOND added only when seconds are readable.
h=1 m=58
